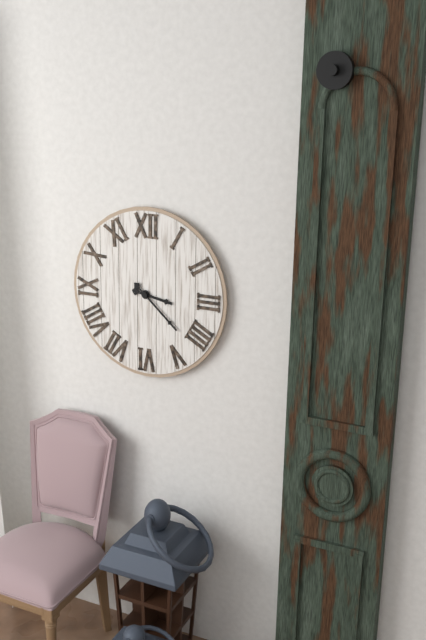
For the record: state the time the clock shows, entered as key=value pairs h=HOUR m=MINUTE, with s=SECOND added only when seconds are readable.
h=3 m=22
